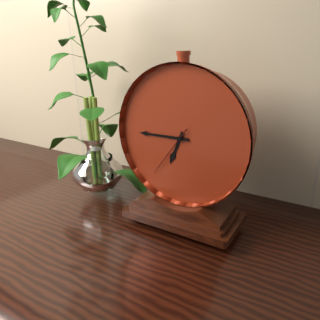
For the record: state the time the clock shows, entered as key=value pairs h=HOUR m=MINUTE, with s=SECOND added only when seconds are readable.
h=6 m=45 s=36
